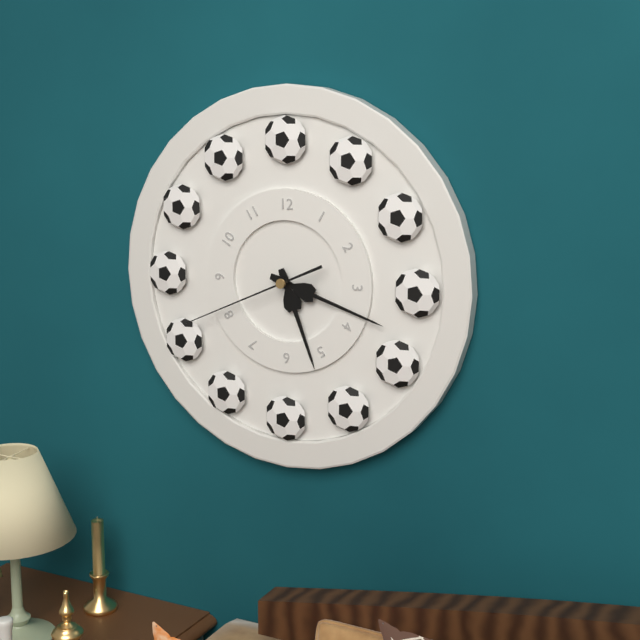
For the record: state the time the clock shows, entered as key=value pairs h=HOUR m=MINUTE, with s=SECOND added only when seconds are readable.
h=5 m=18 s=41
